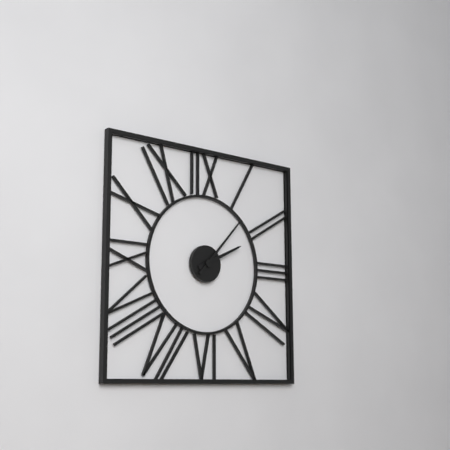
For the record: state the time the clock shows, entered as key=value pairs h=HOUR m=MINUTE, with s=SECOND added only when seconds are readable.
h=2 m=7
